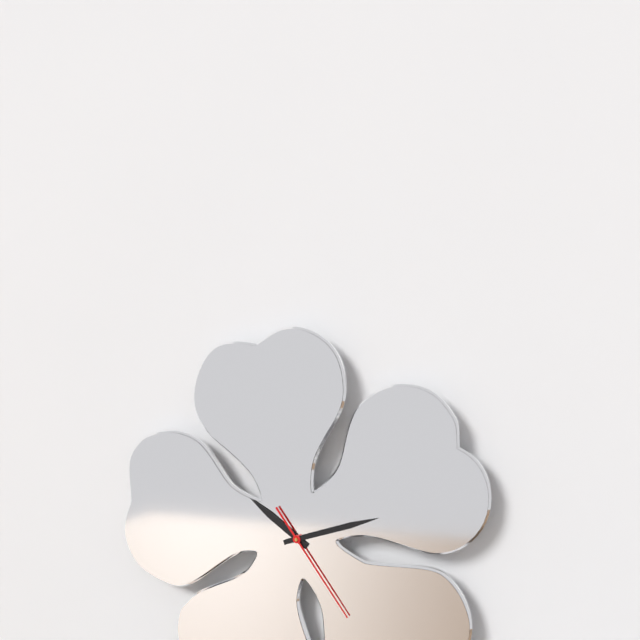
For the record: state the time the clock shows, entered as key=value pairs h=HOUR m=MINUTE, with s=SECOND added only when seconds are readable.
h=10 m=12 s=24
